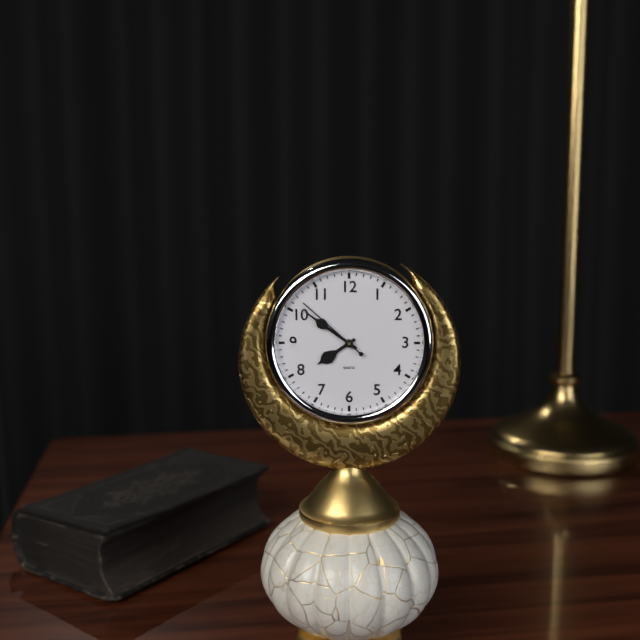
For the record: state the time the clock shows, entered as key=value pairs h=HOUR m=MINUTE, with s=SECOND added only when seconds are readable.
h=7 m=51 s=52
